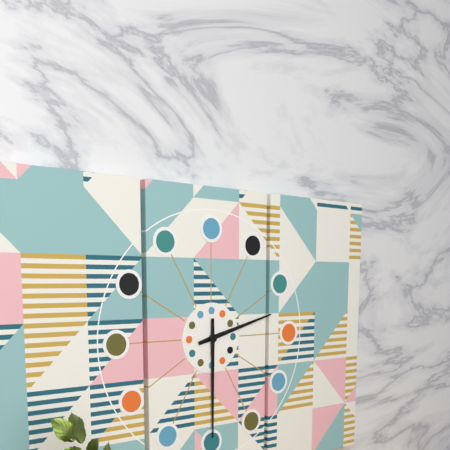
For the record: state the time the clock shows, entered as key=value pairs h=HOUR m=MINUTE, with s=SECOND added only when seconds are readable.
h=2 m=30
